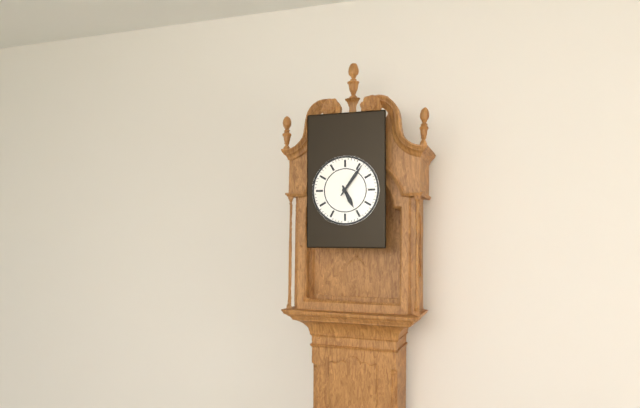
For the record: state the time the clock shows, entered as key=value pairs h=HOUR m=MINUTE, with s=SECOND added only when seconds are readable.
h=5 m=6
